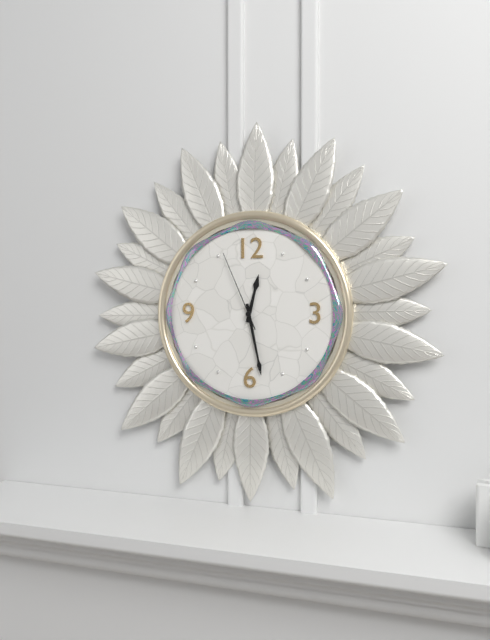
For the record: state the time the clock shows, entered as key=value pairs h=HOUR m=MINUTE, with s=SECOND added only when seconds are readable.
h=12 m=28 s=56
